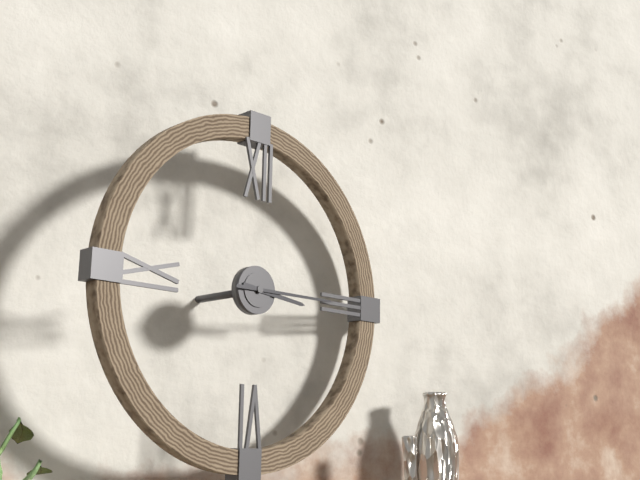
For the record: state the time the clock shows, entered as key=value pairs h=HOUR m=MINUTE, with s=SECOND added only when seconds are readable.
h=3 m=15
